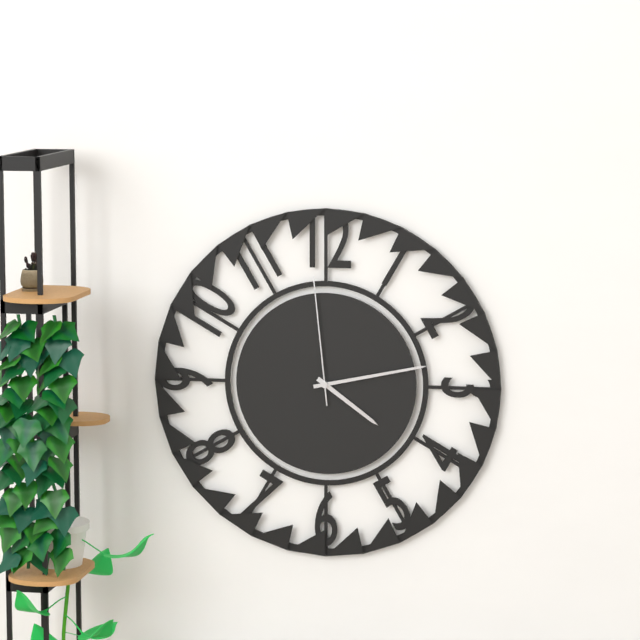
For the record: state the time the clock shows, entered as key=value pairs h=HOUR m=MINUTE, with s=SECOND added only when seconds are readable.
h=4 m=13 s=59
